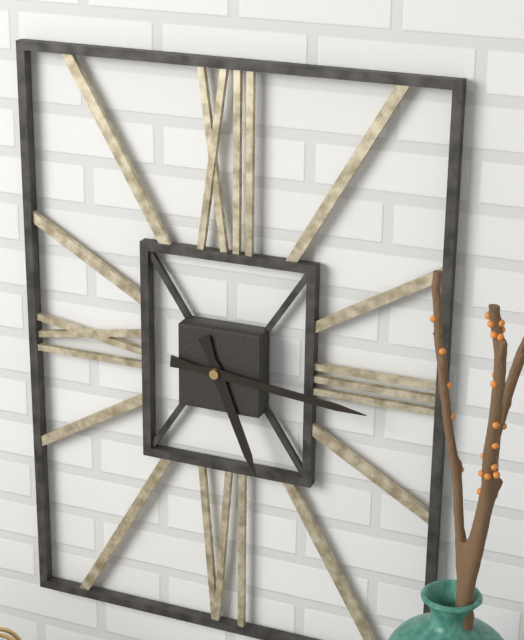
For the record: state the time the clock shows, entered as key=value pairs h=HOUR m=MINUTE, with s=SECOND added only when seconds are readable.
h=5 m=16
